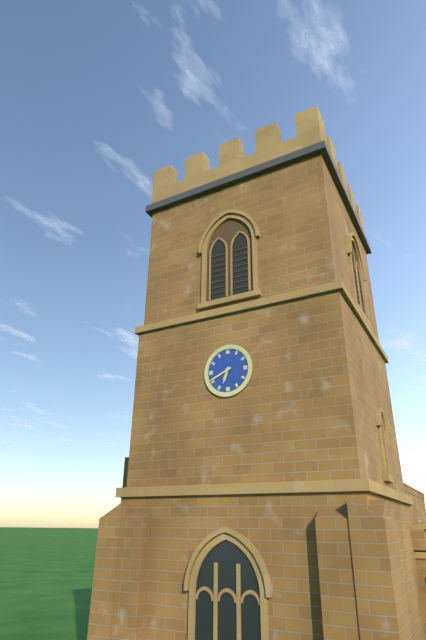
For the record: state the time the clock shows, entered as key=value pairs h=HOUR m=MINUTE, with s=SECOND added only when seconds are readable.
h=6 m=41
